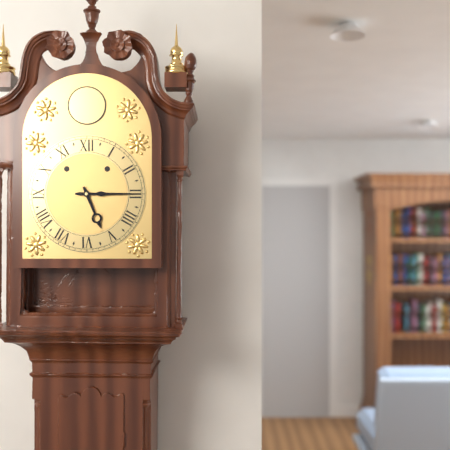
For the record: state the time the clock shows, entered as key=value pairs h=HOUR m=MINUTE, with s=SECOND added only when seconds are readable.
h=5 m=15
